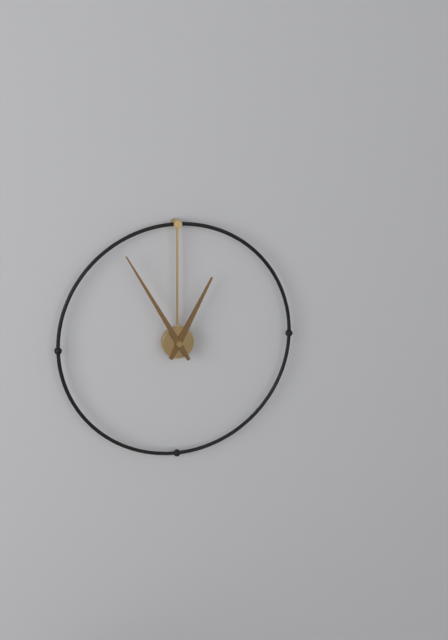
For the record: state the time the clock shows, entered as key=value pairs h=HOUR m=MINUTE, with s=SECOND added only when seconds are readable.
h=12 m=55
